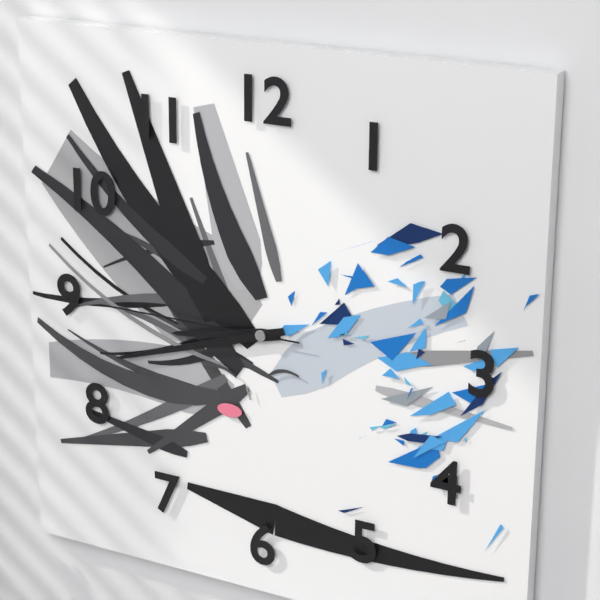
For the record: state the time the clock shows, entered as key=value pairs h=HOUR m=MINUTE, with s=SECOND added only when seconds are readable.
h=8 m=42 s=45
